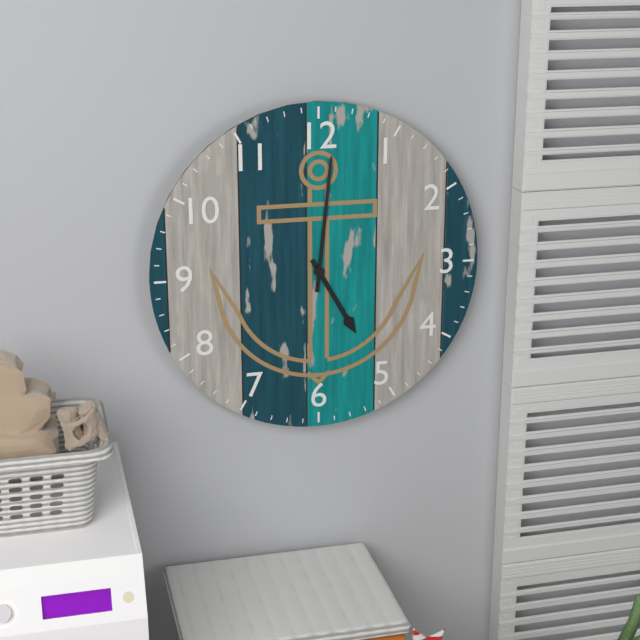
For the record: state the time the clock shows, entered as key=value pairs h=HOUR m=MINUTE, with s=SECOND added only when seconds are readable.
h=5 m=1
